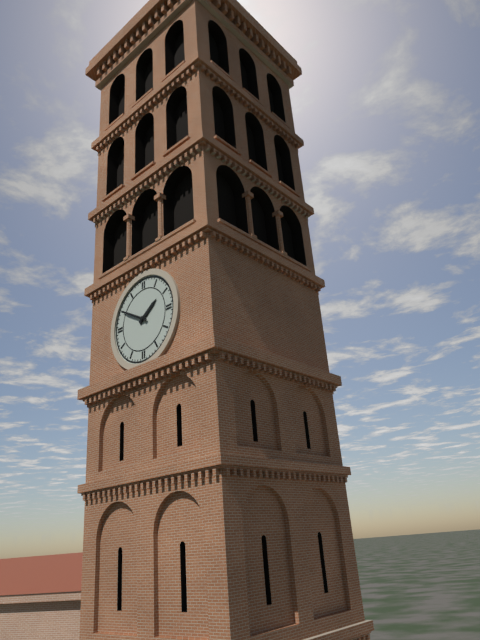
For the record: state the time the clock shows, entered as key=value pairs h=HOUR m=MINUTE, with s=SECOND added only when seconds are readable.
h=1 m=50
